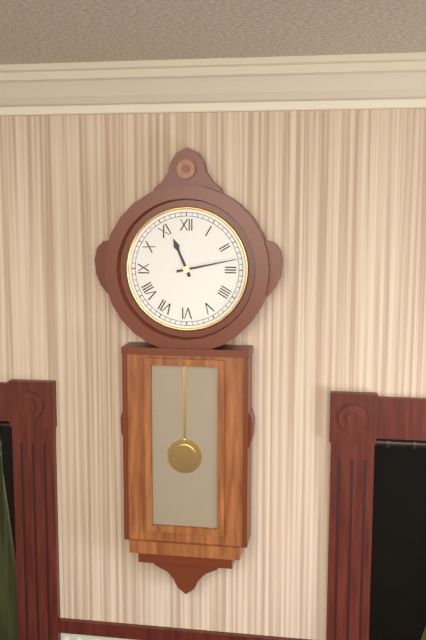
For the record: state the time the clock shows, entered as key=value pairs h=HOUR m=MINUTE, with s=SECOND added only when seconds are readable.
h=11 m=13
